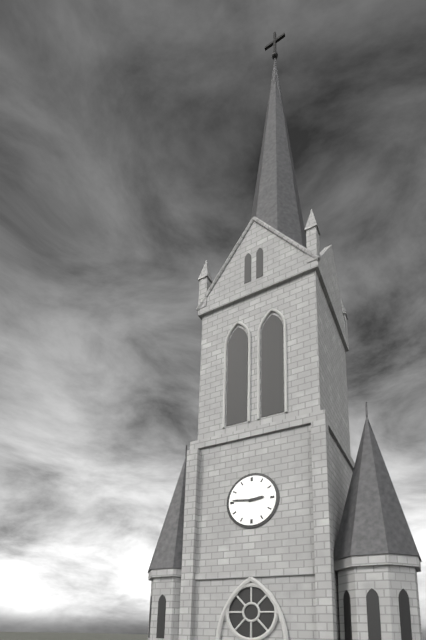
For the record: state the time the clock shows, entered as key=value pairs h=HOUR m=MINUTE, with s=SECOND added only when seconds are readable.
h=2 m=46
